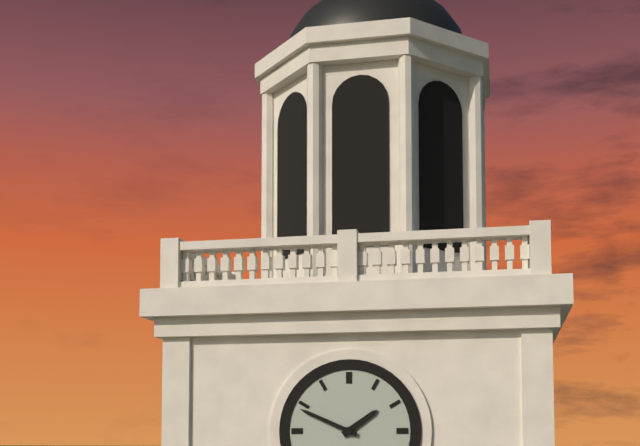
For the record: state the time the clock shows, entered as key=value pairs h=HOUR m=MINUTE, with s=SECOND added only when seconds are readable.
h=1 m=49
